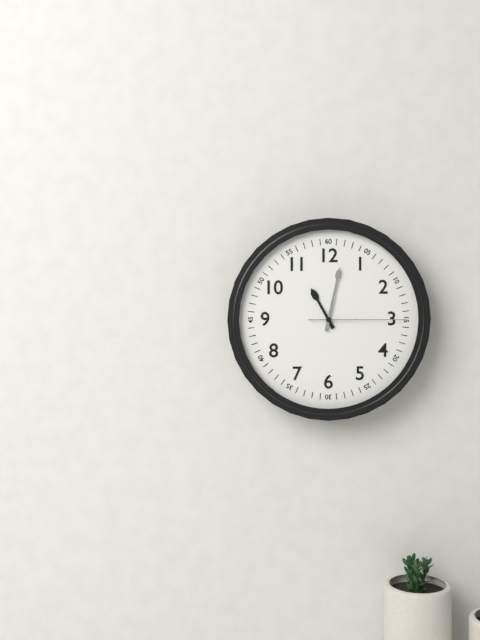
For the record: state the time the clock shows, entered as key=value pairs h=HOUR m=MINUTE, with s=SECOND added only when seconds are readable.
h=11 m=2 s=15
